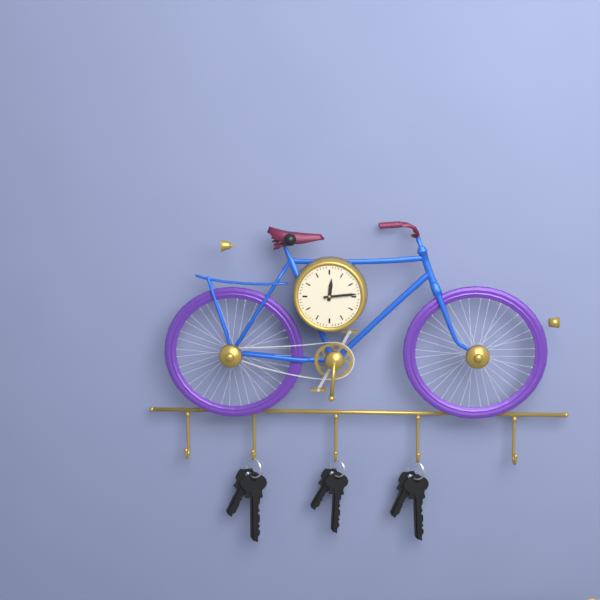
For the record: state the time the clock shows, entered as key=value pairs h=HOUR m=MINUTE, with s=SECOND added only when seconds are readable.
h=12 m=14
